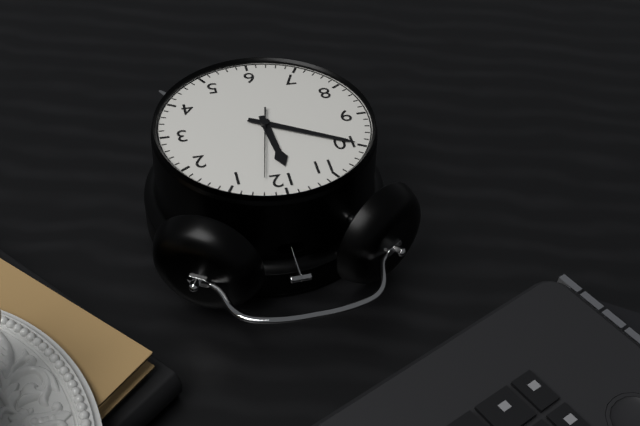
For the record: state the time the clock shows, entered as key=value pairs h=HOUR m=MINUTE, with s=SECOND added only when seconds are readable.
h=11 m=50
